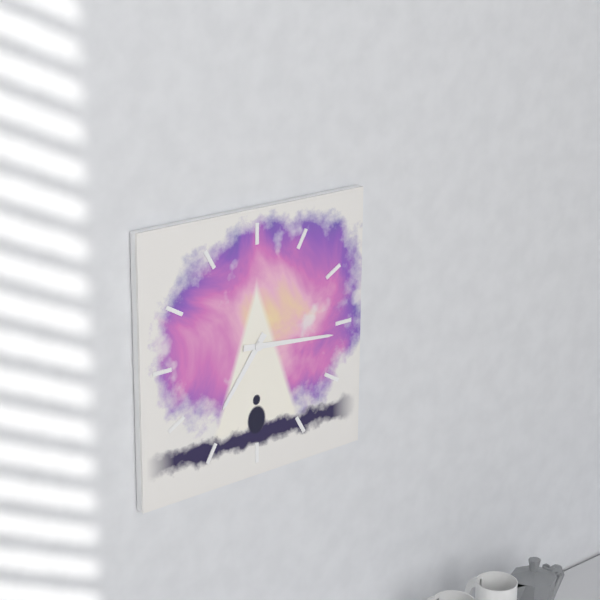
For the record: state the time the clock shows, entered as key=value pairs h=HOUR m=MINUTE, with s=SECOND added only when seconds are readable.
h=7 m=16
